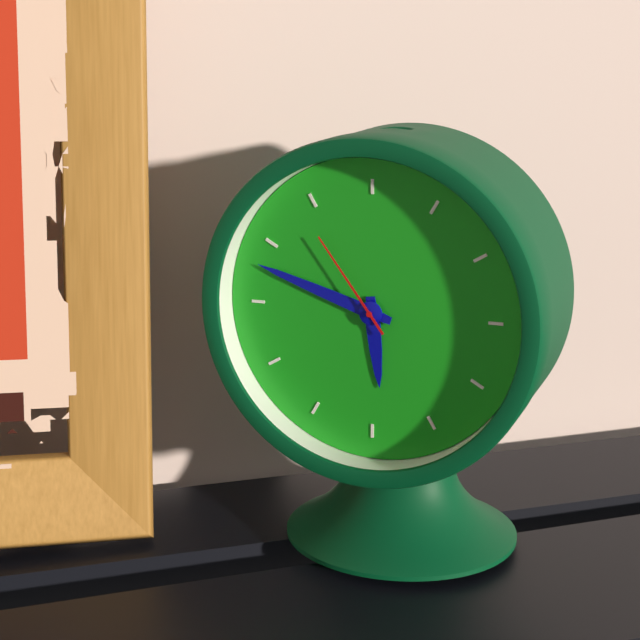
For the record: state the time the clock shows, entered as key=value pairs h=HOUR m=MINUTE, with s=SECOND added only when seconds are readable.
h=5 m=48 s=54
